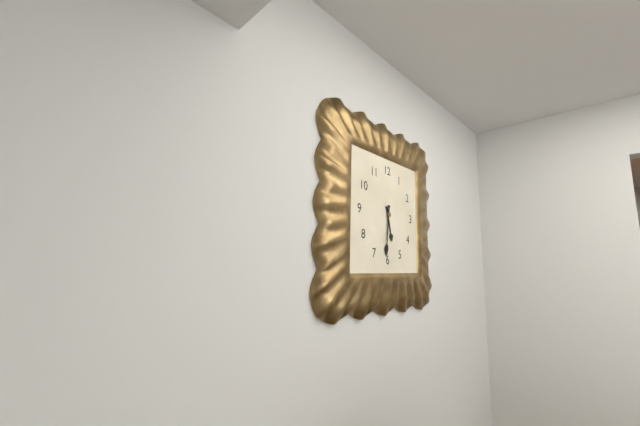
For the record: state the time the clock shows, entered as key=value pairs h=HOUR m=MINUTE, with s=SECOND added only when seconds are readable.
h=5 m=31
